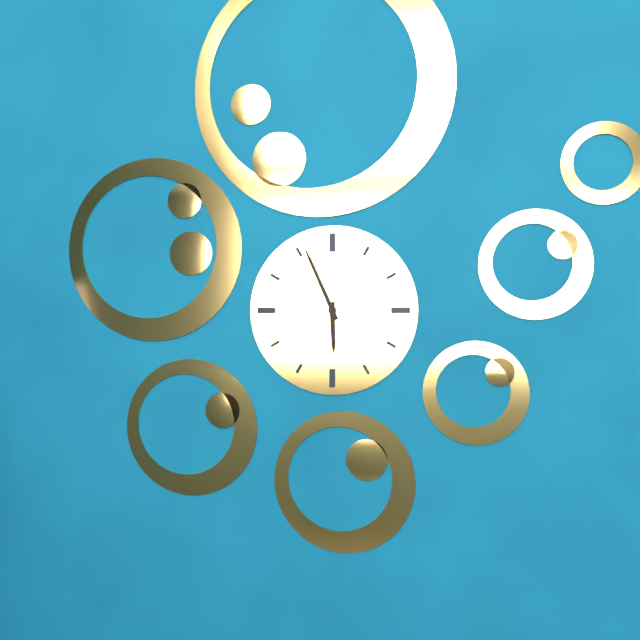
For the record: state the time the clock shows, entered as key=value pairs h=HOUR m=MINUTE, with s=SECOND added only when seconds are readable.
h=5 m=56
